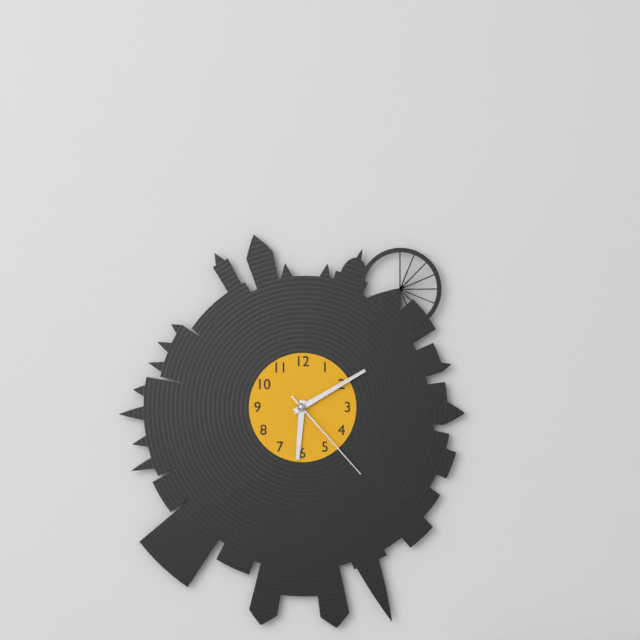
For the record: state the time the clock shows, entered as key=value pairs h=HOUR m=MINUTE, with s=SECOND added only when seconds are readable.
h=6 m=10 s=23
